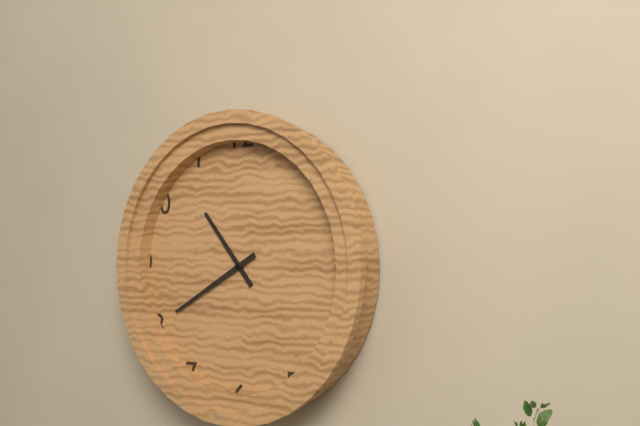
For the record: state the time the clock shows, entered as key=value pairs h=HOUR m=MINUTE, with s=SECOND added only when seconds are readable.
h=10 m=40
